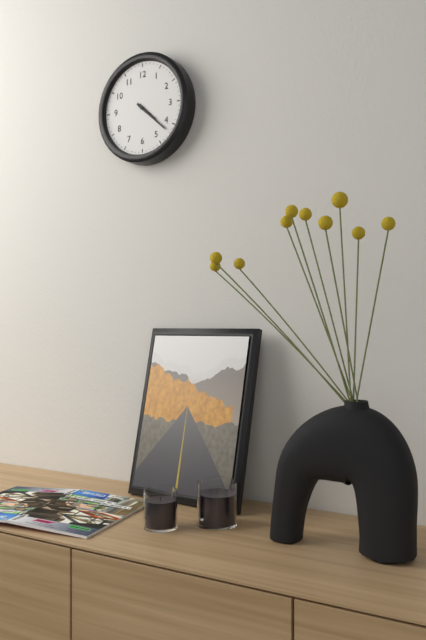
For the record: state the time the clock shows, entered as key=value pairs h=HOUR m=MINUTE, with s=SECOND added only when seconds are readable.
h=4 m=22
